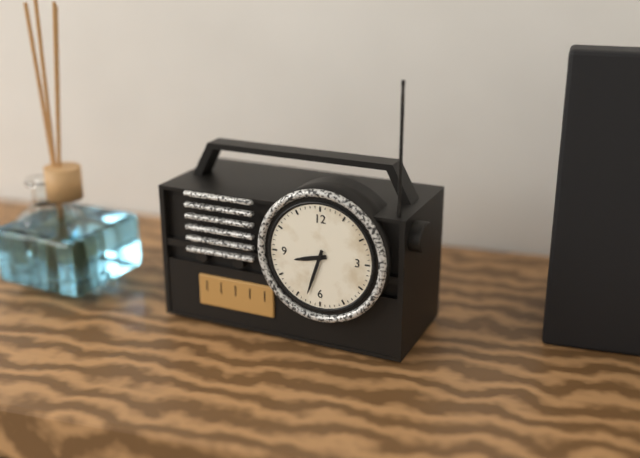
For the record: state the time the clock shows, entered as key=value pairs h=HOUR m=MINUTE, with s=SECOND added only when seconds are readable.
h=8 m=33
